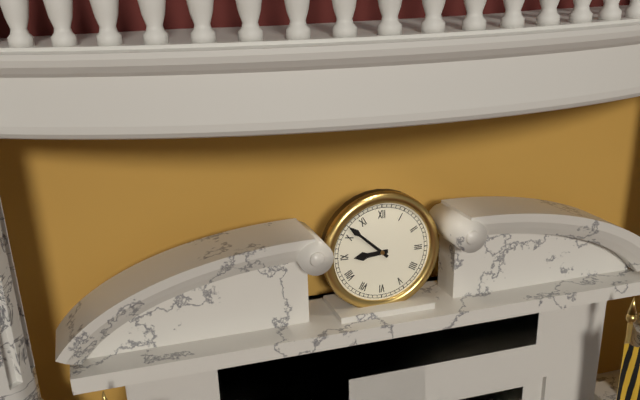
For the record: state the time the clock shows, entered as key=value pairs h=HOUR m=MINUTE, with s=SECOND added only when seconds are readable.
h=8 m=52
